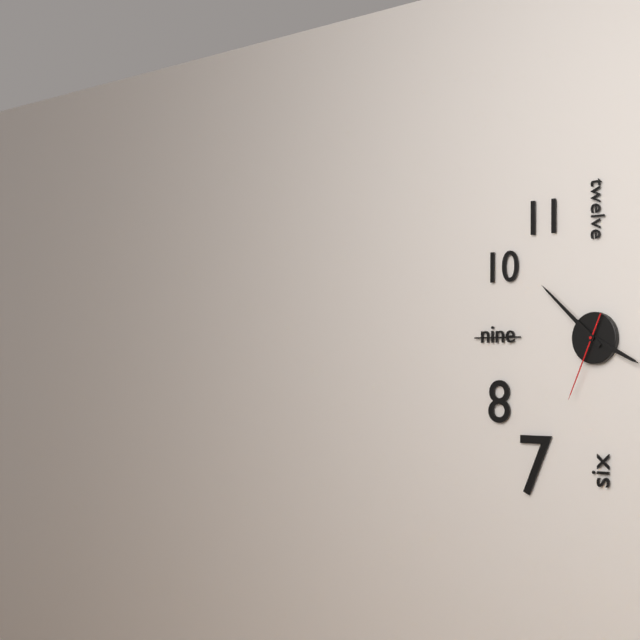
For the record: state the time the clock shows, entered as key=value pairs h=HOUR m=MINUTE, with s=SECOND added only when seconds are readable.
h=3 m=52 s=34
